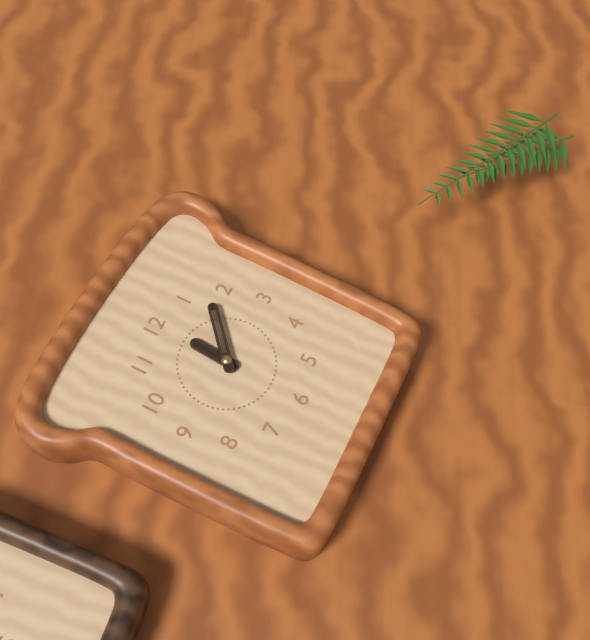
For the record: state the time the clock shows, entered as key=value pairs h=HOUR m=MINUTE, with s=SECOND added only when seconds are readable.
h=12 m=8
